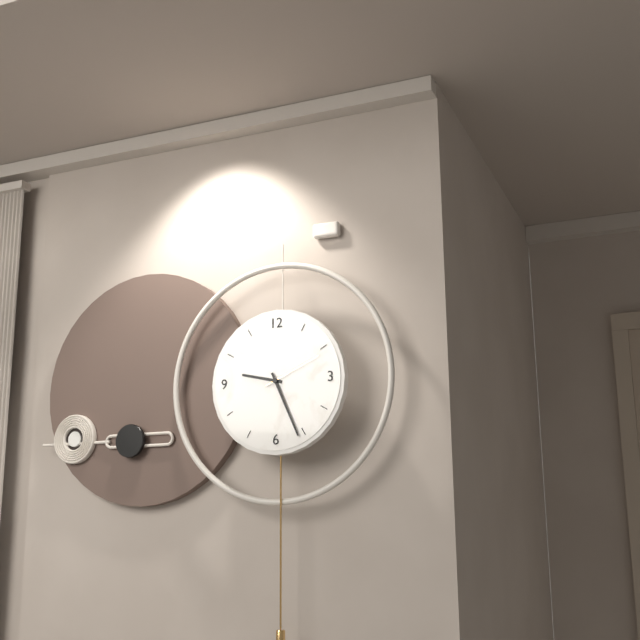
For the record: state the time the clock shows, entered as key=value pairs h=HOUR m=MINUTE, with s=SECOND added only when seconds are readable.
h=9 m=26 s=11
